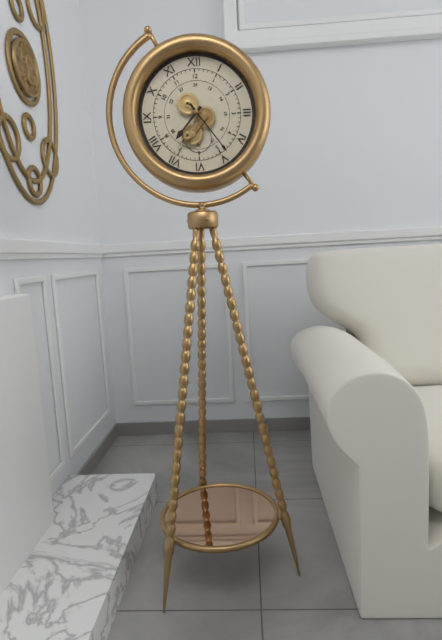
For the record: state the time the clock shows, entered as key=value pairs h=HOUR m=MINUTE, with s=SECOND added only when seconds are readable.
h=7 m=24
